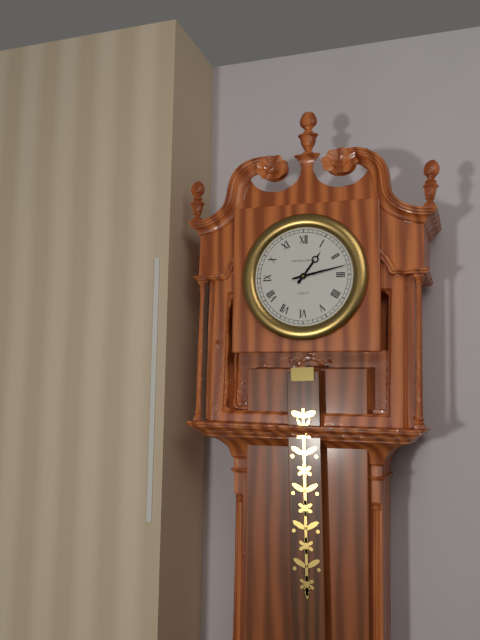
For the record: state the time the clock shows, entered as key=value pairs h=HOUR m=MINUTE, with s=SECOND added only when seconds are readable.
h=1 m=13
